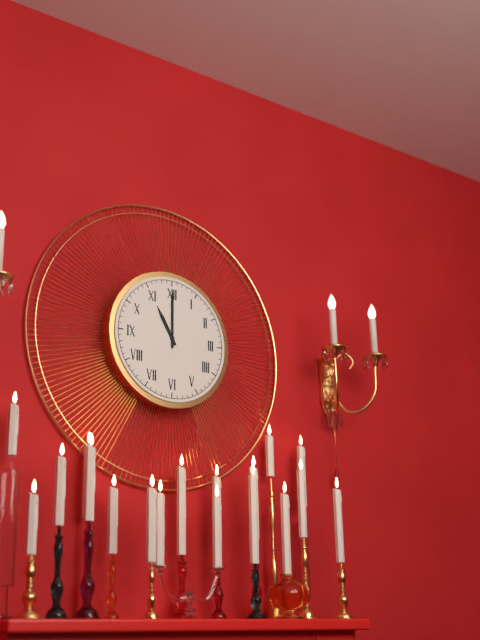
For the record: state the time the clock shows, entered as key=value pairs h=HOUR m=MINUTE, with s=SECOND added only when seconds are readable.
h=11 m=0
